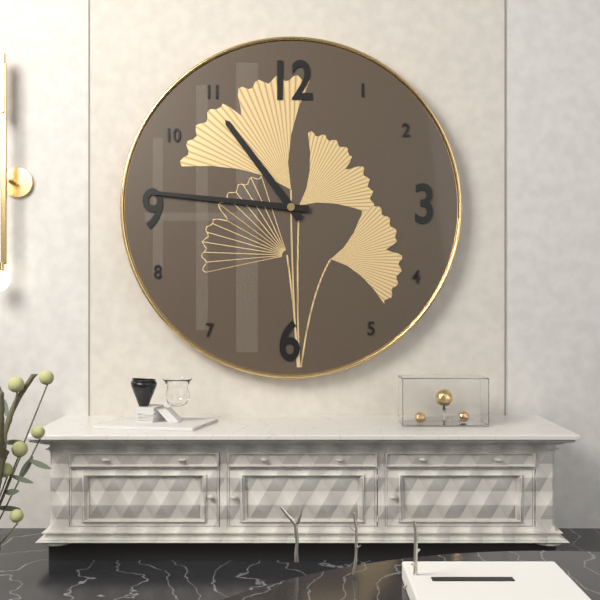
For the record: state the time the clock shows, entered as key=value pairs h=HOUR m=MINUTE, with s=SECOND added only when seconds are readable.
h=10 m=46
